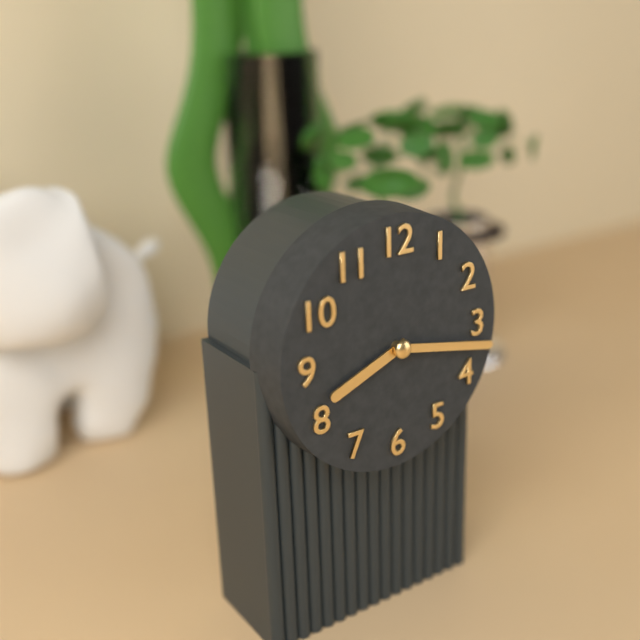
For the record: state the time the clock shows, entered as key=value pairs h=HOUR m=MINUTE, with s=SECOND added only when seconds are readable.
h=8 m=17
